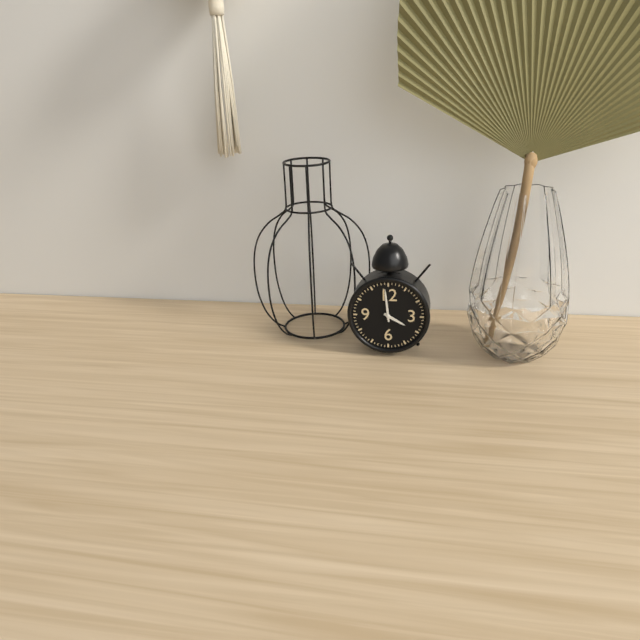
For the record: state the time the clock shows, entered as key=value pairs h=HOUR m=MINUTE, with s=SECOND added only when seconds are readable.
h=3 m=59
